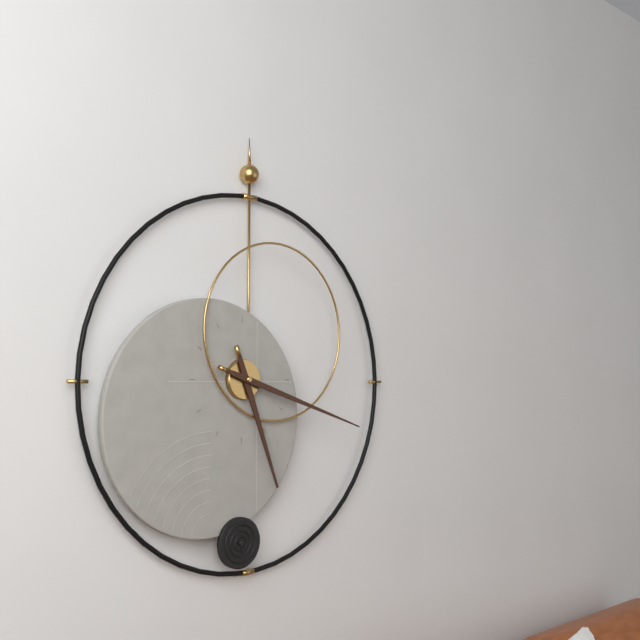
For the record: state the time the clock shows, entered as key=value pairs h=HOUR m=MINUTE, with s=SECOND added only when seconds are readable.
h=5 m=18
